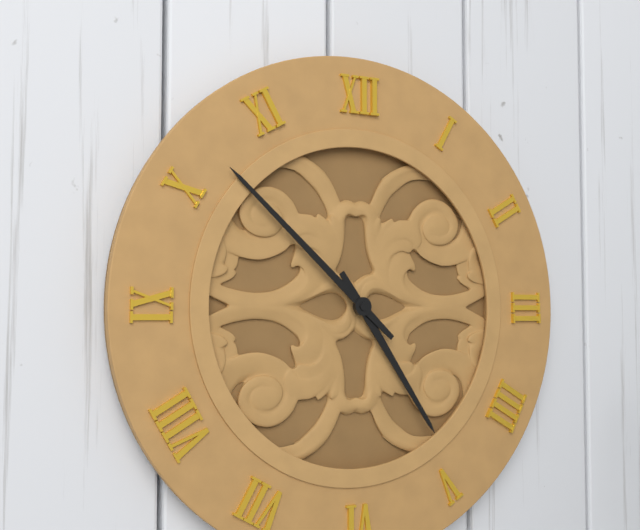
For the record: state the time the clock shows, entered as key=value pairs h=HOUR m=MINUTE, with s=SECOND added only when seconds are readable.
h=4 m=52
